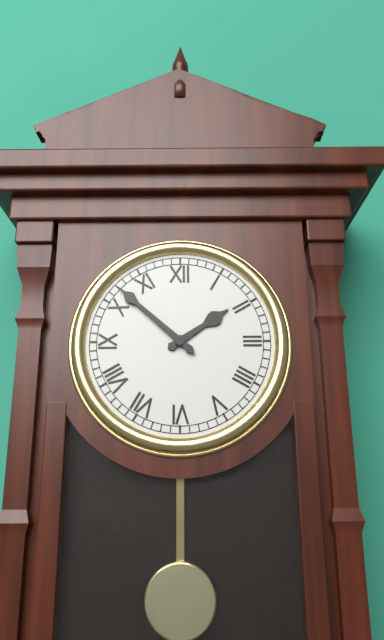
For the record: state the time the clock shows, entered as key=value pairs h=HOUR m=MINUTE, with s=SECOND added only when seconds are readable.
h=1 m=52
